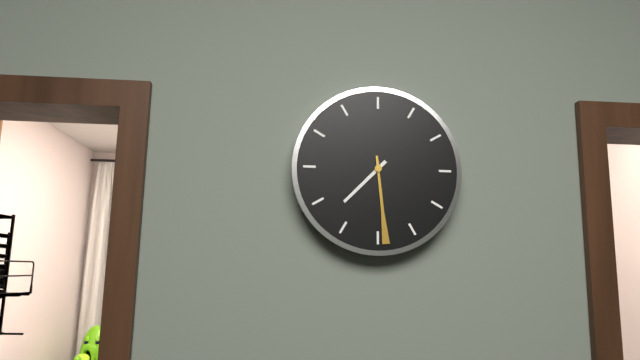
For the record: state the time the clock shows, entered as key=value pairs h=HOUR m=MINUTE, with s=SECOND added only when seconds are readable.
h=7 m=29
